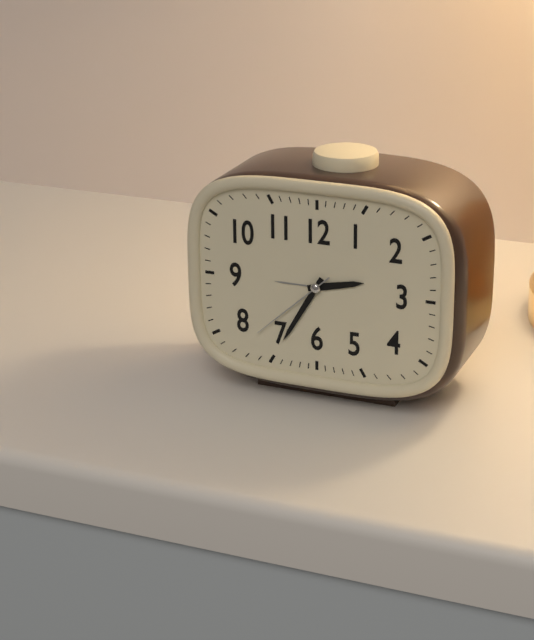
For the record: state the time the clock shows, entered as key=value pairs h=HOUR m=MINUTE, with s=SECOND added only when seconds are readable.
h=2 m=35 s=38
